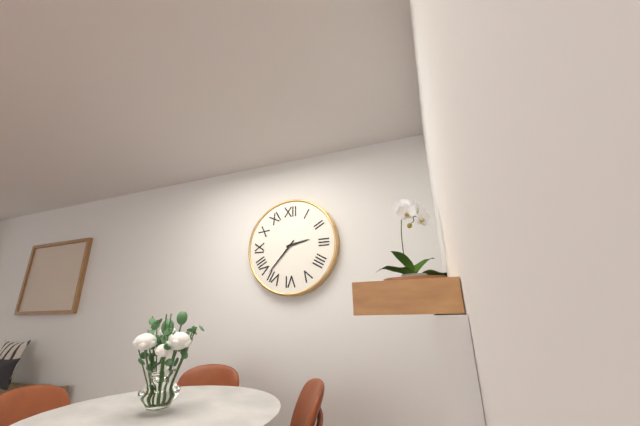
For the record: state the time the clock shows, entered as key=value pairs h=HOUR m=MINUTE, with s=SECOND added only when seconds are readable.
h=2 m=37
